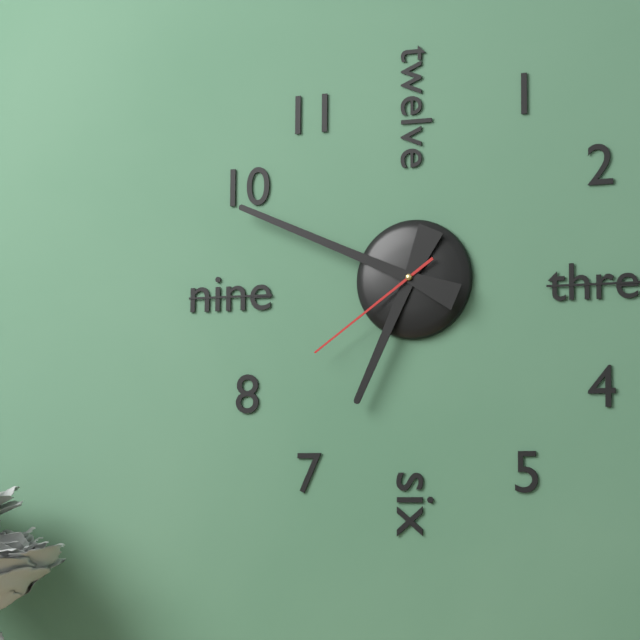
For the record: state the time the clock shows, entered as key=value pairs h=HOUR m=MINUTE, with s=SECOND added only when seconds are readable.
h=6 m=49 s=39
